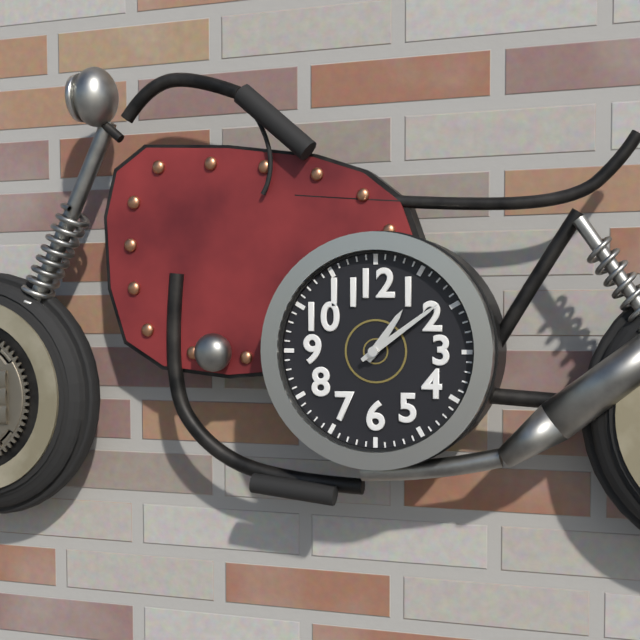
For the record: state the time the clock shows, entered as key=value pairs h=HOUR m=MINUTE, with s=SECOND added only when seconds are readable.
h=1 m=9
